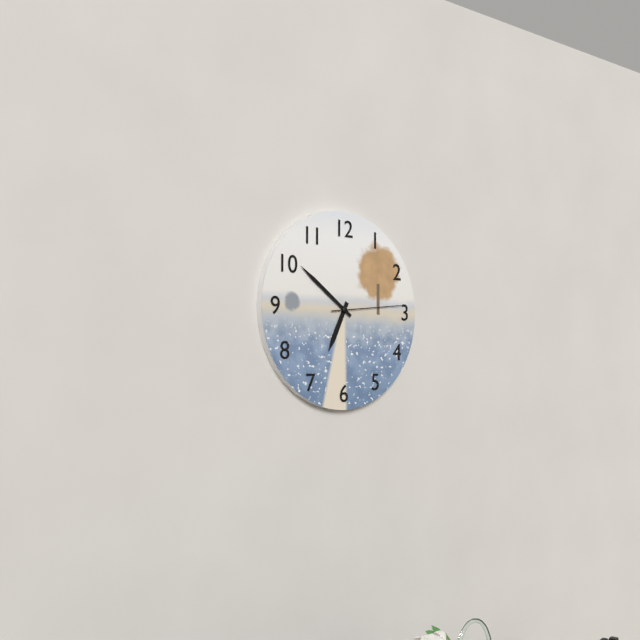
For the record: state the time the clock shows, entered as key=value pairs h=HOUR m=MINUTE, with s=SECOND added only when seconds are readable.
h=6 m=51 s=14
